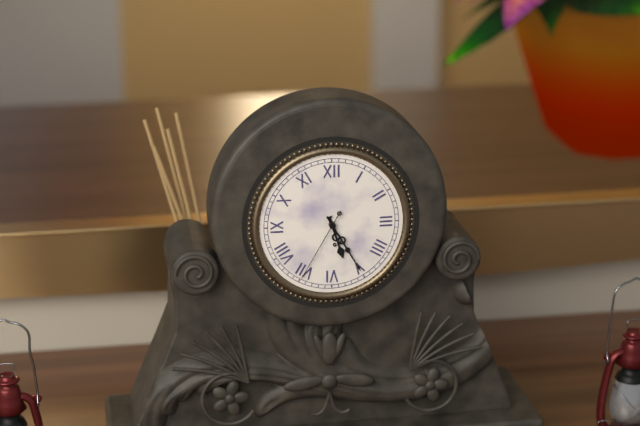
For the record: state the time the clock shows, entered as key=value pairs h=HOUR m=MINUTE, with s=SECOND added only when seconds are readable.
h=5 m=25 s=35
